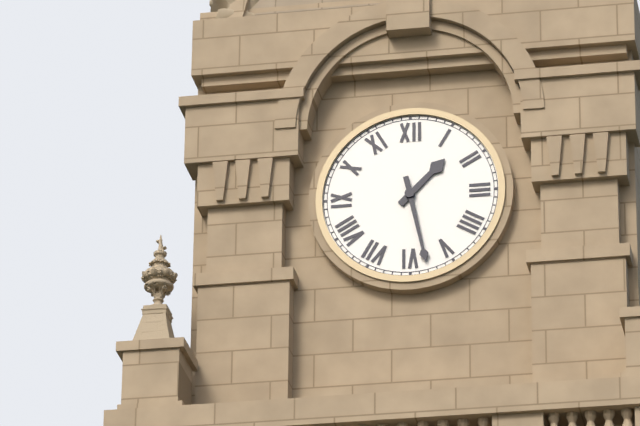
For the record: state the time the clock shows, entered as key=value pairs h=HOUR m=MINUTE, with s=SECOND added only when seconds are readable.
h=1 m=28
